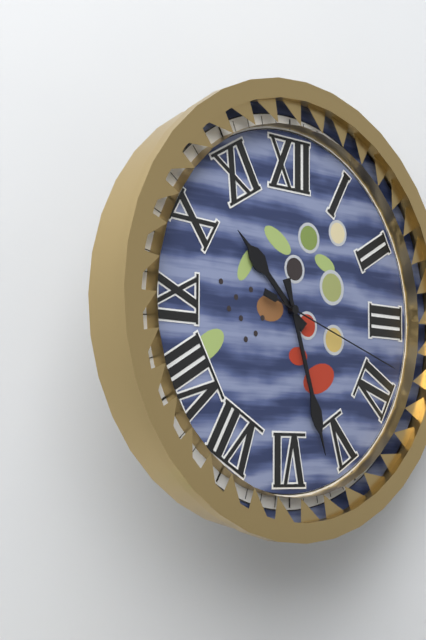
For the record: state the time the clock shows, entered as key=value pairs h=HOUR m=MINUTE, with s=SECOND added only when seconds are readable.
h=10 m=27 s=18
